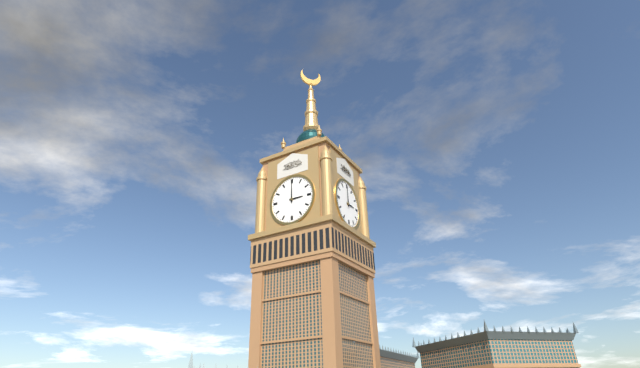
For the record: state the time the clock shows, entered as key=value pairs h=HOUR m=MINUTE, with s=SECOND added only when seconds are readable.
h=3 m=0
